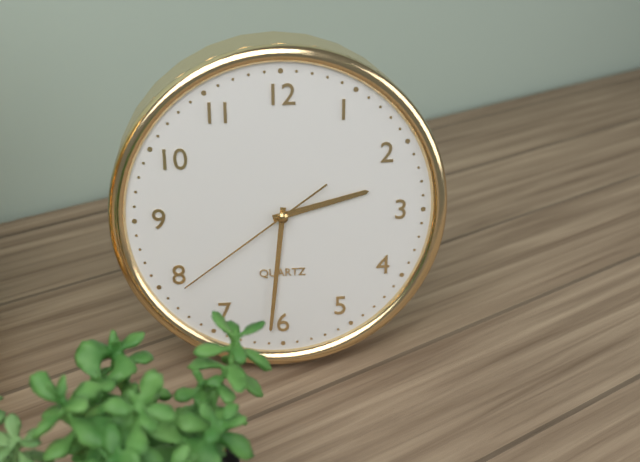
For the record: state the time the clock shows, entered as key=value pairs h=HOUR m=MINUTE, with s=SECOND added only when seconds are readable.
h=2 m=31 s=39
